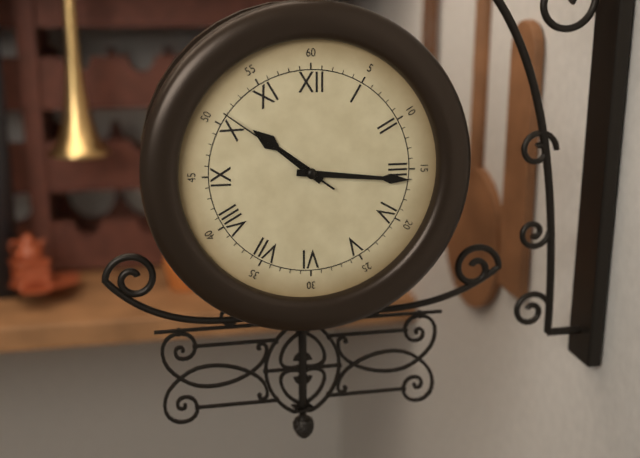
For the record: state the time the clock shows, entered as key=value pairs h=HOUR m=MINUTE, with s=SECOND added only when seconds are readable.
h=10 m=16 s=51
